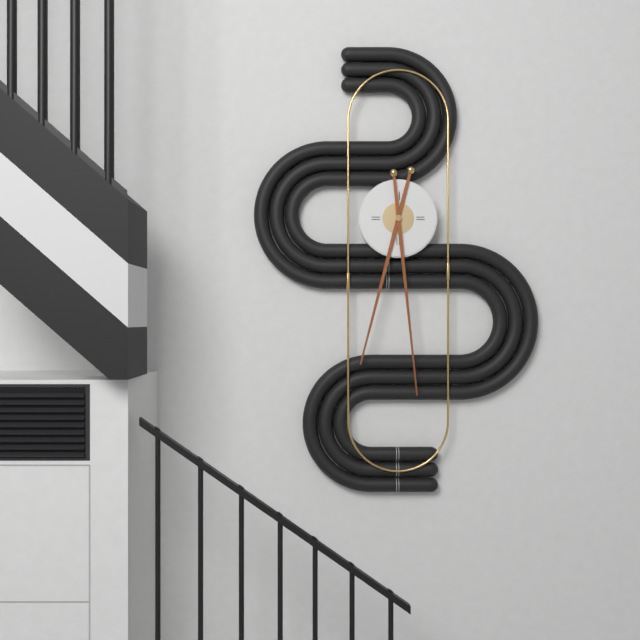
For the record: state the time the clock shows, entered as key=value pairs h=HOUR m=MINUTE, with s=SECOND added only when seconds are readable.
h=6 m=29
